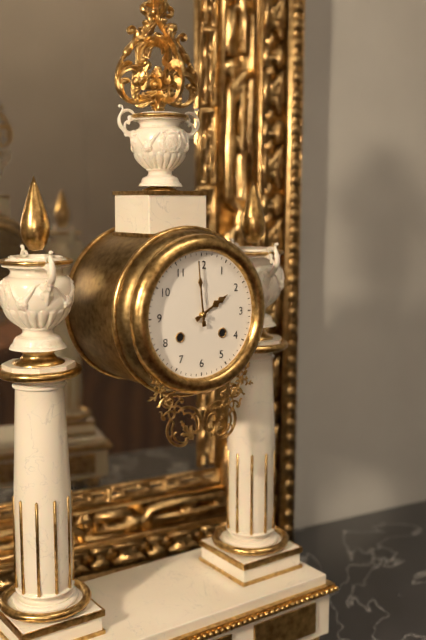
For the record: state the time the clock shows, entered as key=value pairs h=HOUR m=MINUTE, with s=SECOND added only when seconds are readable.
h=1 m=59
